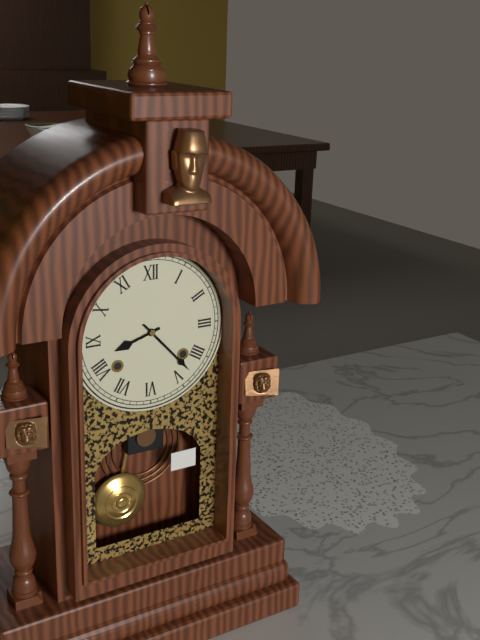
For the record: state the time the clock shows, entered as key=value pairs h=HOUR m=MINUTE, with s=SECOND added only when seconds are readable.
h=8 m=23
